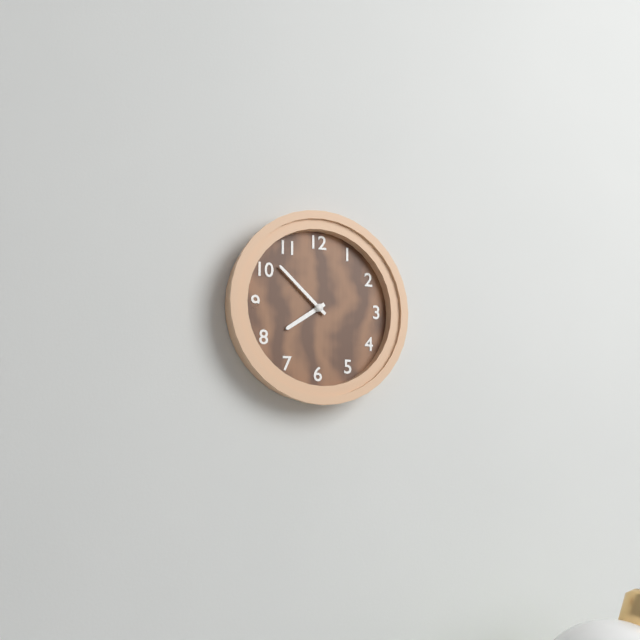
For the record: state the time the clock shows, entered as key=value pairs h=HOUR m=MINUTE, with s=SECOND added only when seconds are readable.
h=7 m=52
